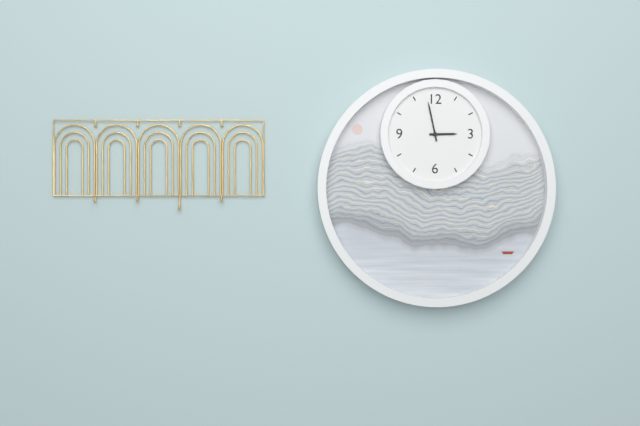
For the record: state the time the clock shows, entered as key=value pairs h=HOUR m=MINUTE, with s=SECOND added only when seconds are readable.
h=2 m=58
